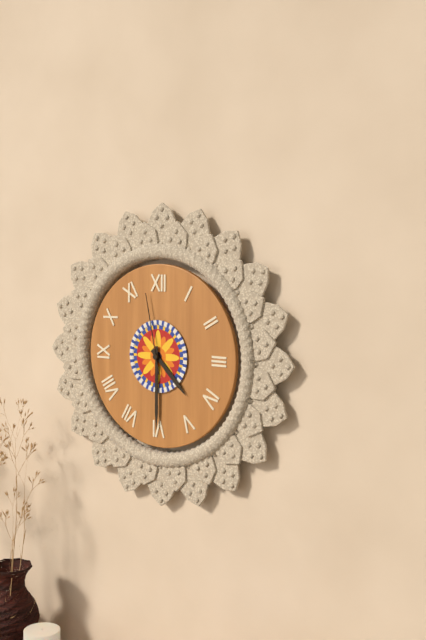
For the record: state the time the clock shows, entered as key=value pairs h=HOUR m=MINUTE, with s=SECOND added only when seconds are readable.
h=4 m=30 s=58
